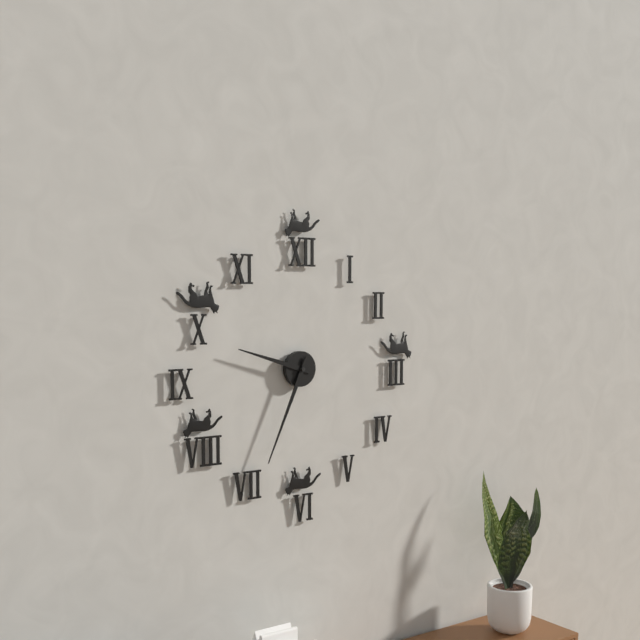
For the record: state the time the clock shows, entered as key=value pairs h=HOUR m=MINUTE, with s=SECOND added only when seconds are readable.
h=9 m=34
